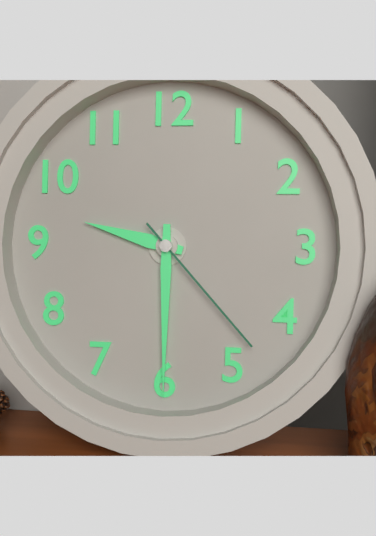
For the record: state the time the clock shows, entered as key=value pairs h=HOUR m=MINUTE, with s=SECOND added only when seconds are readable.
h=9 m=30 s=23
